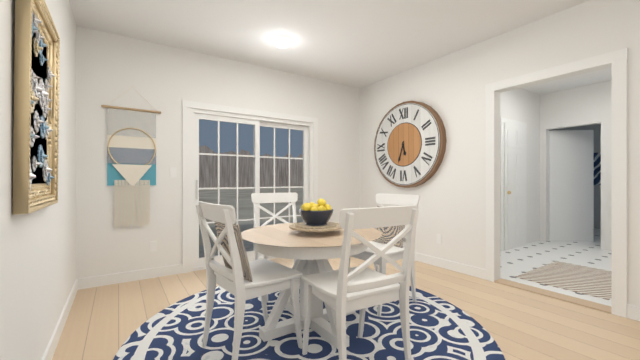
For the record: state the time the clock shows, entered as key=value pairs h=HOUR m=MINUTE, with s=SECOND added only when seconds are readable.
h=5 m=33
